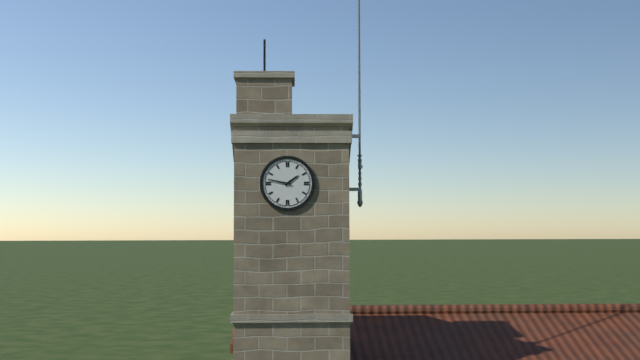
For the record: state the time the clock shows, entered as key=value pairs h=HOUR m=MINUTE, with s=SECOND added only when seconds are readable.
h=1 m=47
